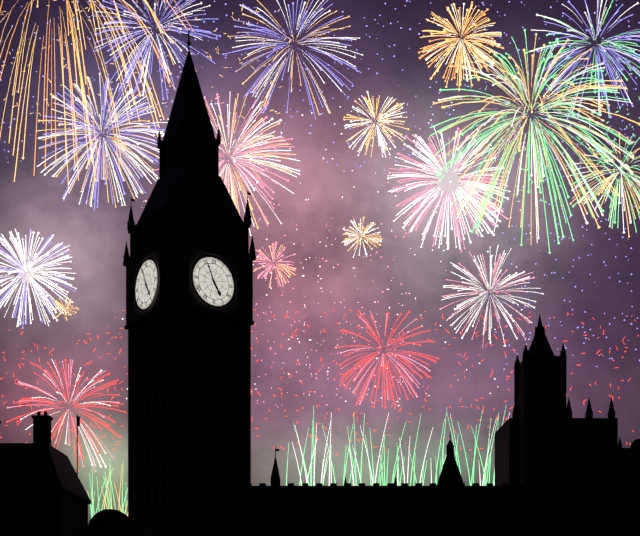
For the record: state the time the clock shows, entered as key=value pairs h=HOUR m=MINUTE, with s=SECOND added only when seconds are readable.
h=4 m=56
